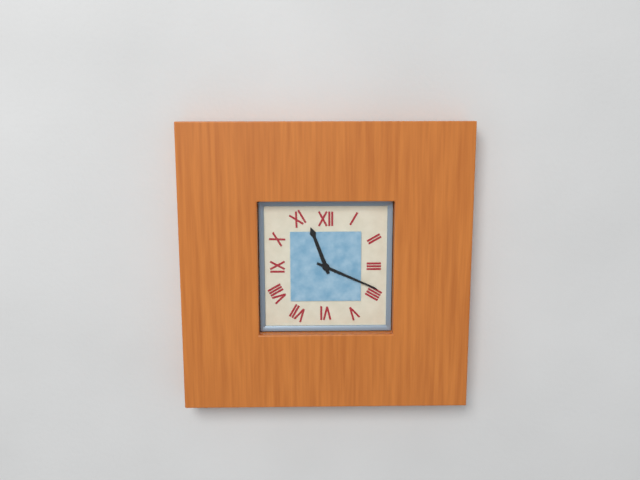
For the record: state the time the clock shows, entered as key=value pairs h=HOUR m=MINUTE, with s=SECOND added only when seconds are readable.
h=11 m=19
